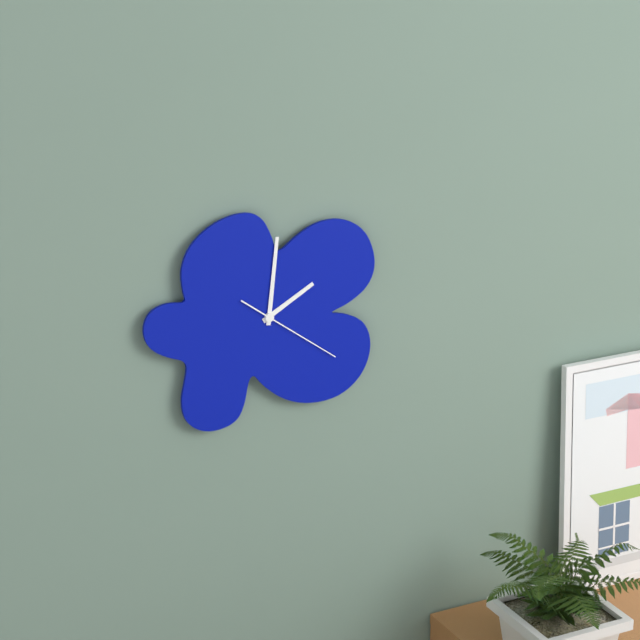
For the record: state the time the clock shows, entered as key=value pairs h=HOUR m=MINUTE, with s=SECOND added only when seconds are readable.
h=2 m=1 s=21
